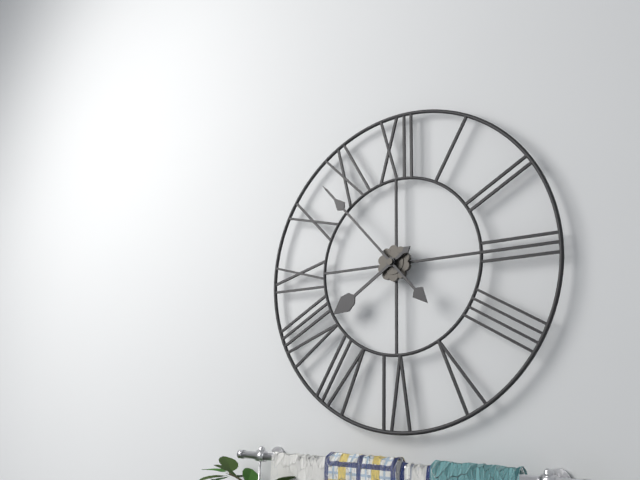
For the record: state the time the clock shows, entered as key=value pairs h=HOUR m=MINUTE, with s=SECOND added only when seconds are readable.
h=7 m=53
